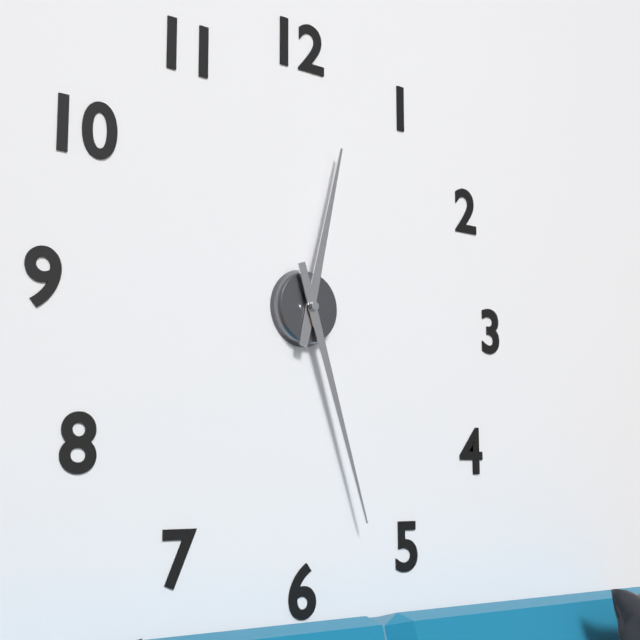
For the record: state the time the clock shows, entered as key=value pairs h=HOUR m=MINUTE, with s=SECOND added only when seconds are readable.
h=12 m=27
